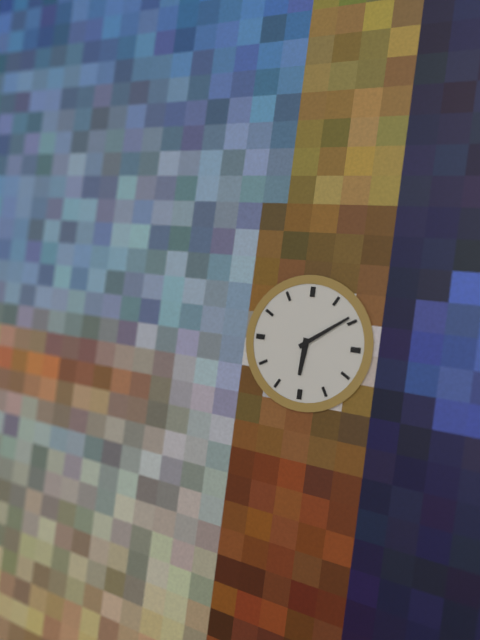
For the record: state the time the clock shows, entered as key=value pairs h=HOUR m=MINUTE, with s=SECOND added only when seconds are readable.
h=6 m=9
